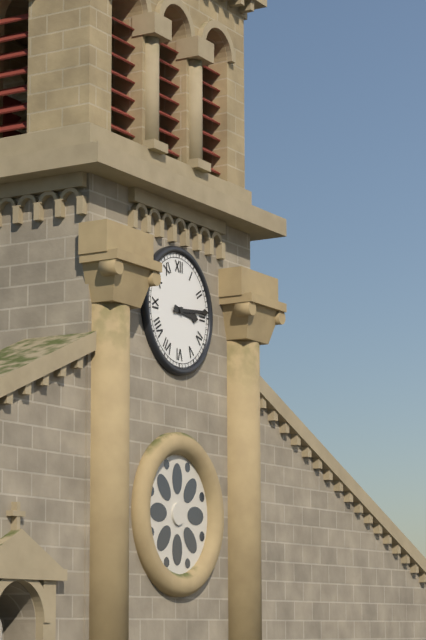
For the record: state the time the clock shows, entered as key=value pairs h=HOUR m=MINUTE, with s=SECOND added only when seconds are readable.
h=3 m=14
